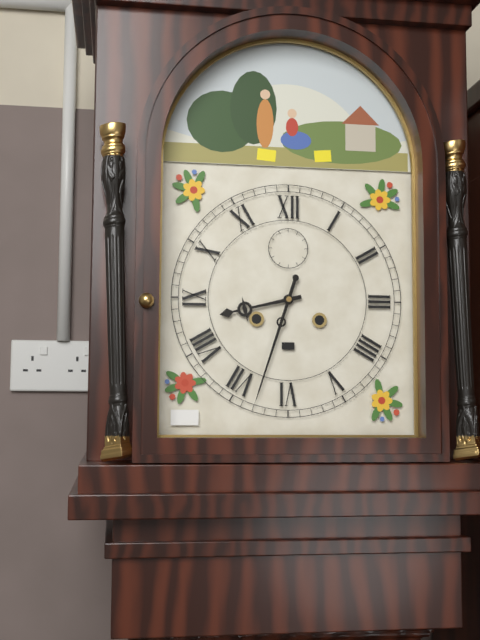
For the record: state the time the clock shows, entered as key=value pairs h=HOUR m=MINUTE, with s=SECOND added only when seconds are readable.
h=8 m=33
